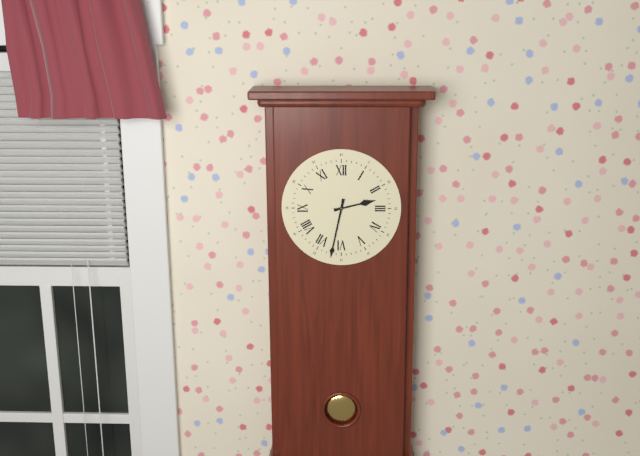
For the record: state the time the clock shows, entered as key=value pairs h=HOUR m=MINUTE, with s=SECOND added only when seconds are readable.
h=2 m=32
